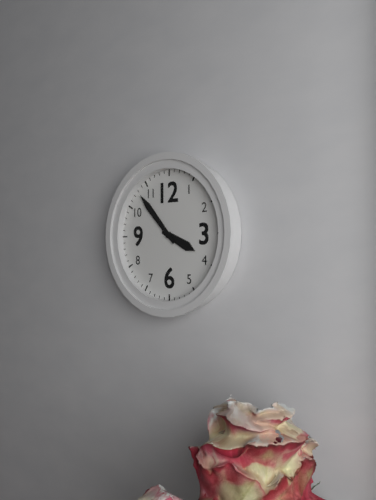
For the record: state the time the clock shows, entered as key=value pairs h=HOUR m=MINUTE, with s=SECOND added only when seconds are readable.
h=3 m=53
